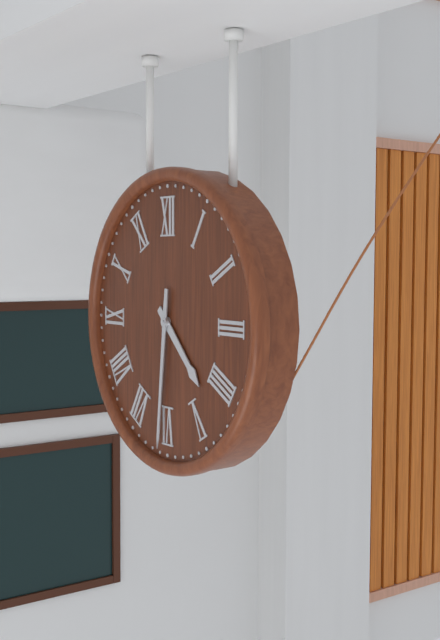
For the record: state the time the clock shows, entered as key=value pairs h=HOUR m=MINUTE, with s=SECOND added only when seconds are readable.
h=4 m=31
